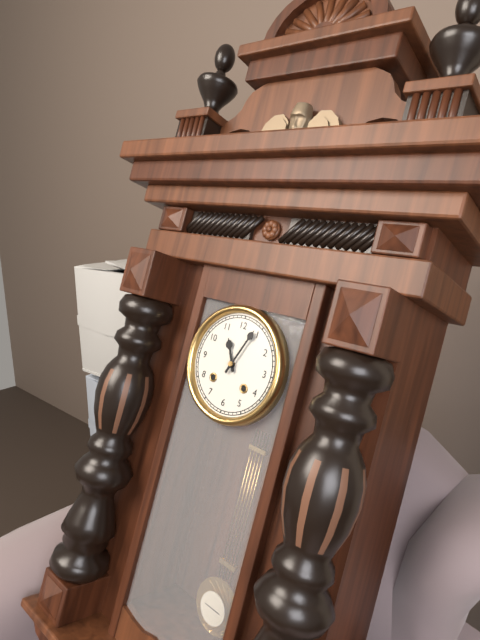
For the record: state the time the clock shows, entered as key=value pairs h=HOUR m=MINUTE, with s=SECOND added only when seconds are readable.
h=11 m=4
